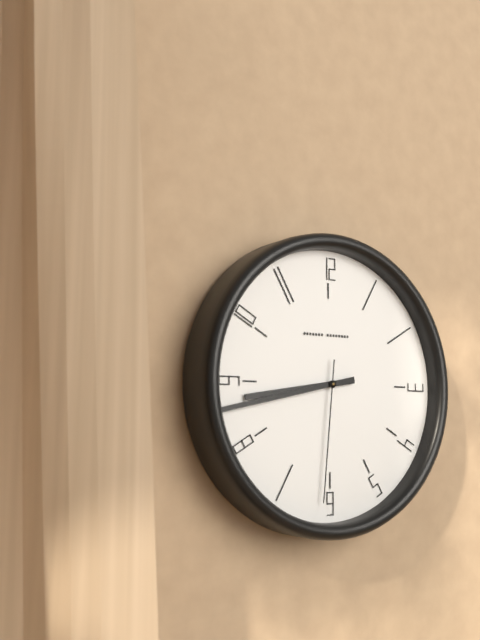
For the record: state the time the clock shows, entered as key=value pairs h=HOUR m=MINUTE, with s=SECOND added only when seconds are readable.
h=8 m=43 s=31
